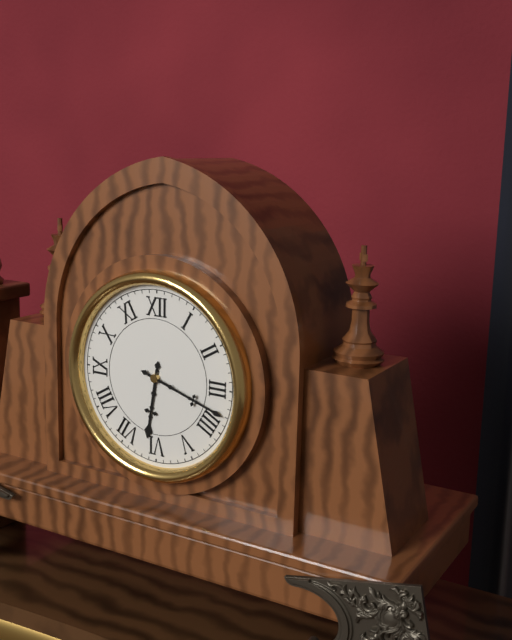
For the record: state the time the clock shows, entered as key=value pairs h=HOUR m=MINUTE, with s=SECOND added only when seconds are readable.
h=6 m=18
